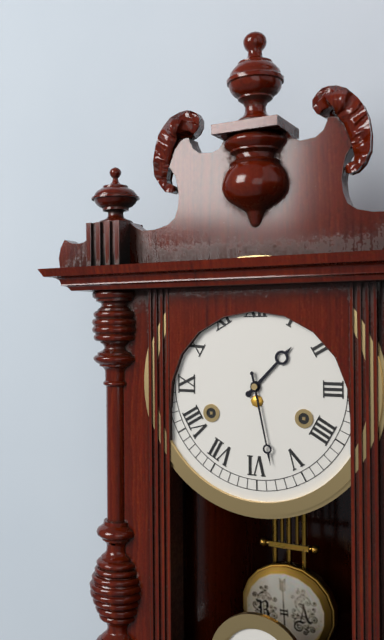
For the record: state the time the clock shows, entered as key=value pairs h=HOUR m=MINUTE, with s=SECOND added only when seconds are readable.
h=1 m=28
